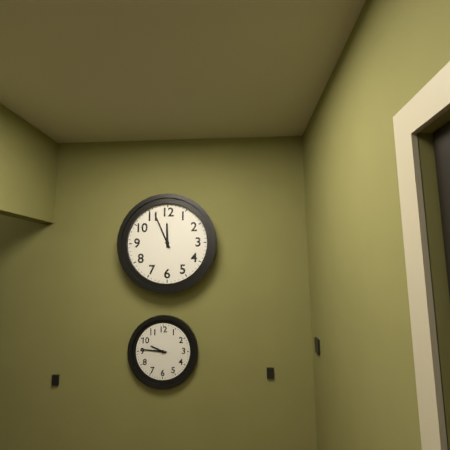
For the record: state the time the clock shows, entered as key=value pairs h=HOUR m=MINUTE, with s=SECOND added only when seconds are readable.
h=11 m=56
